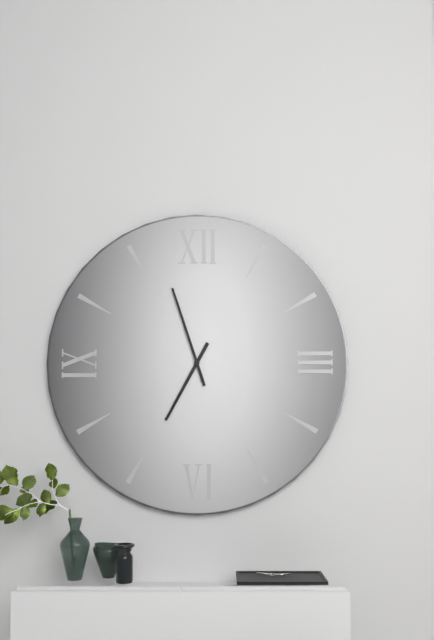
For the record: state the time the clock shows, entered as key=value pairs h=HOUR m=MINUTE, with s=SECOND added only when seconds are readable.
h=6 m=57
